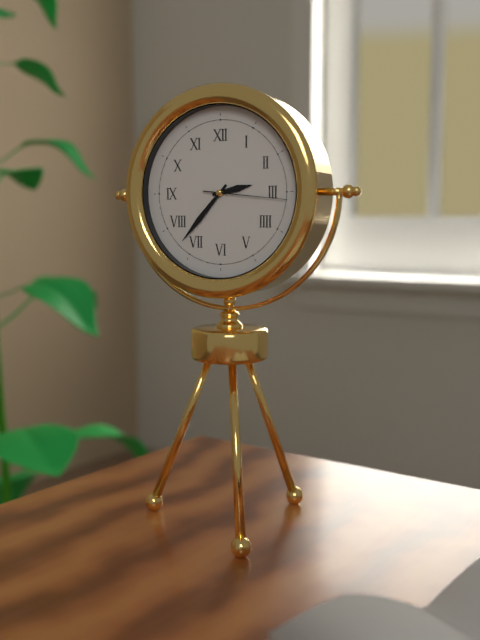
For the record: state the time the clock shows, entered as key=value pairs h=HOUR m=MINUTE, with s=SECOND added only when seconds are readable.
h=2 m=37 s=16
